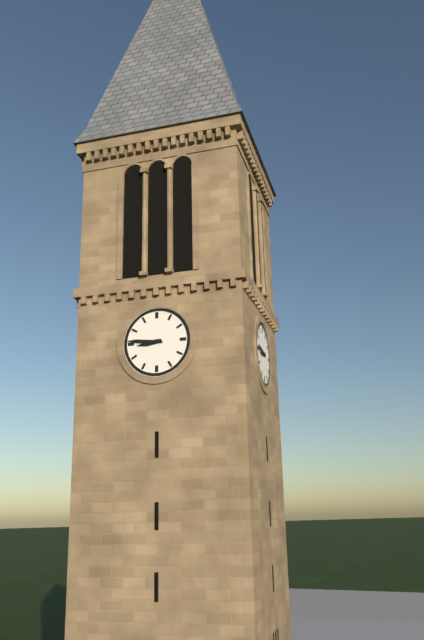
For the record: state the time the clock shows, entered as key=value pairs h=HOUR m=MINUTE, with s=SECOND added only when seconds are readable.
h=8 m=46
